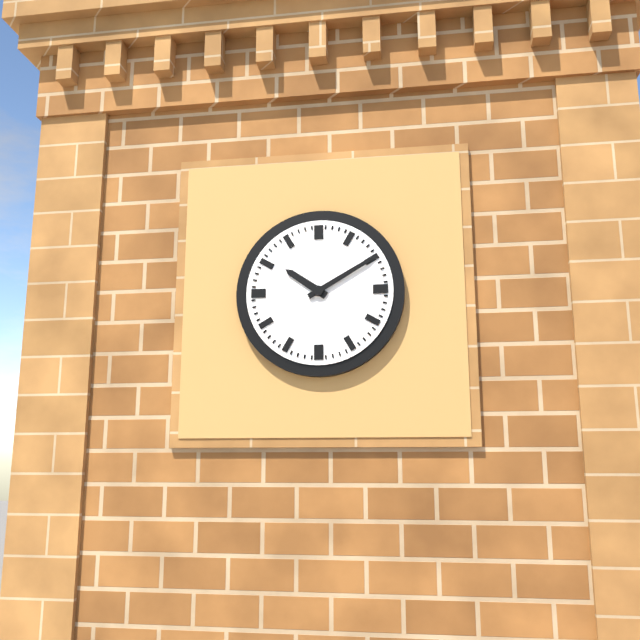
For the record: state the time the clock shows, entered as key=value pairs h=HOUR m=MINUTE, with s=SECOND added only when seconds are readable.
h=10 m=10
